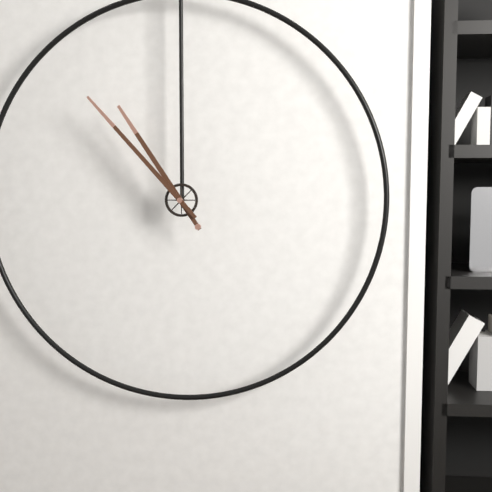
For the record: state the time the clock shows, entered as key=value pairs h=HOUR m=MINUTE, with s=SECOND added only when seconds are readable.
h=10 m=53
